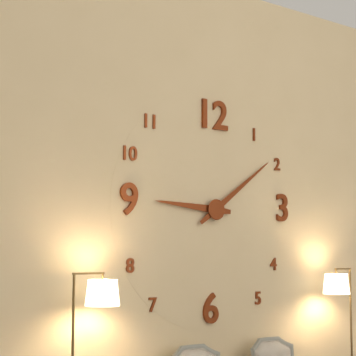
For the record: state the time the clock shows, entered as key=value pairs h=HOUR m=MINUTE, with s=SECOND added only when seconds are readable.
h=9 m=9
